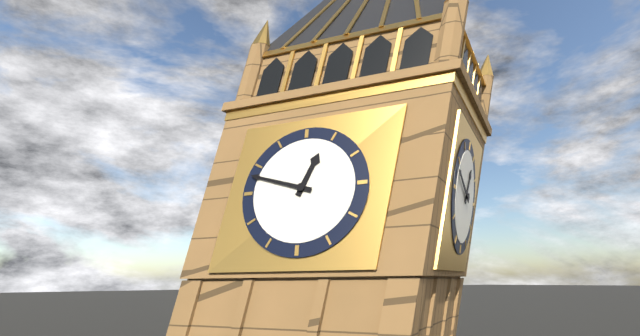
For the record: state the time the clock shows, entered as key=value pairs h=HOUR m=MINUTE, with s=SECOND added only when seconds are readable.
h=12 m=48
